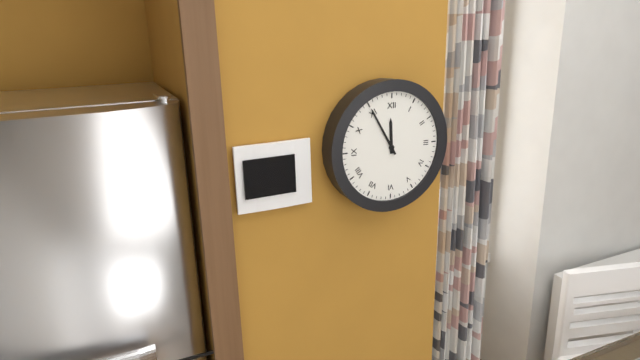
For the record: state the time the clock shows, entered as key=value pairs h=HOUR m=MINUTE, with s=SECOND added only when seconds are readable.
h=11 m=55
